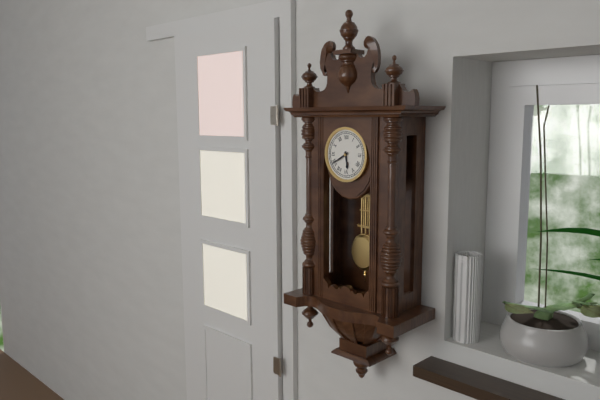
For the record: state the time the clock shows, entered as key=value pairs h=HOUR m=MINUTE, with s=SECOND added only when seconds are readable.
h=5 m=40
